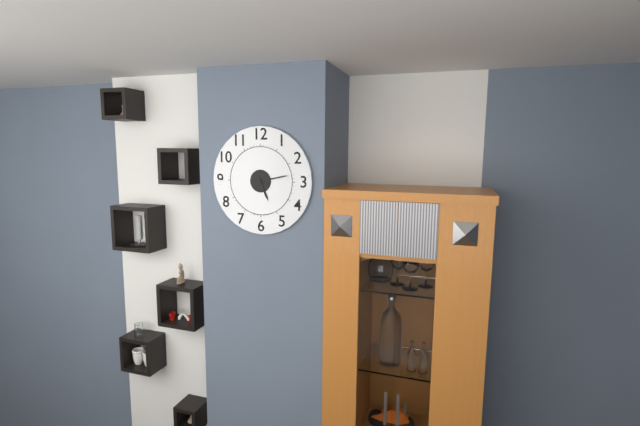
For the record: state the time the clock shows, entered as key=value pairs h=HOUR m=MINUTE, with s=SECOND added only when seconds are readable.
h=5 m=13
